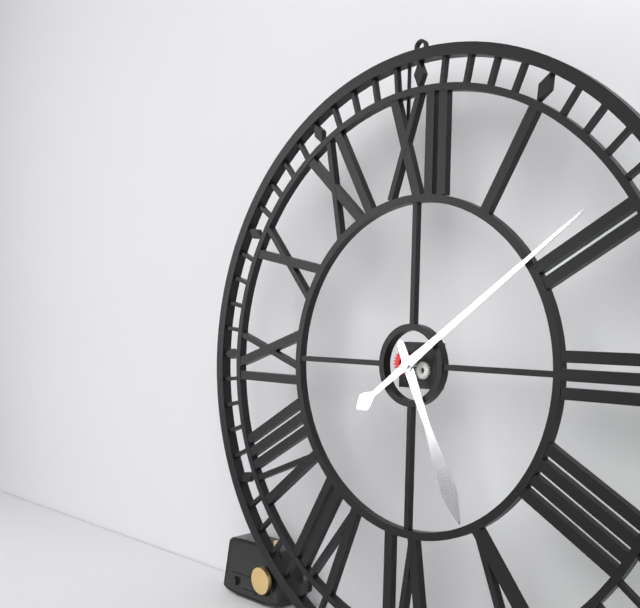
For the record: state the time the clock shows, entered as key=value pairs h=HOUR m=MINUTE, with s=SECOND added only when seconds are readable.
h=5 m=9
